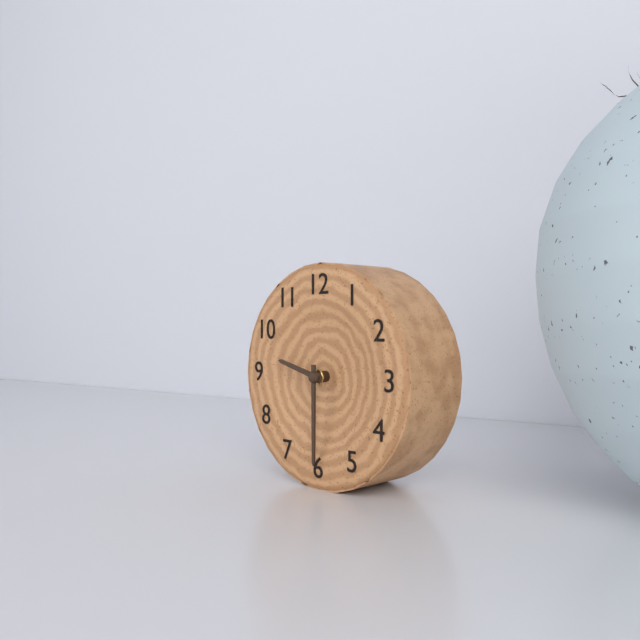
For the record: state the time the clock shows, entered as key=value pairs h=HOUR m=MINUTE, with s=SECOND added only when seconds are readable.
h=9 m=30
